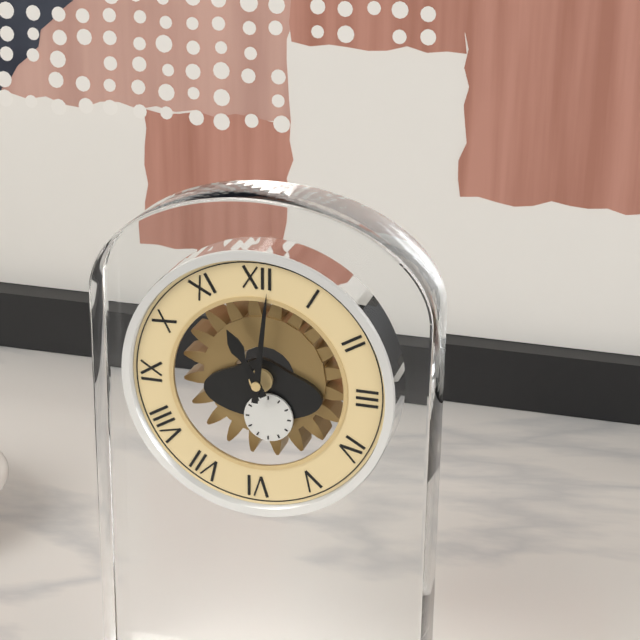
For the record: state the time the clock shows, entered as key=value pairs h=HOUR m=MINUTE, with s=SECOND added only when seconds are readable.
h=11 m=1
